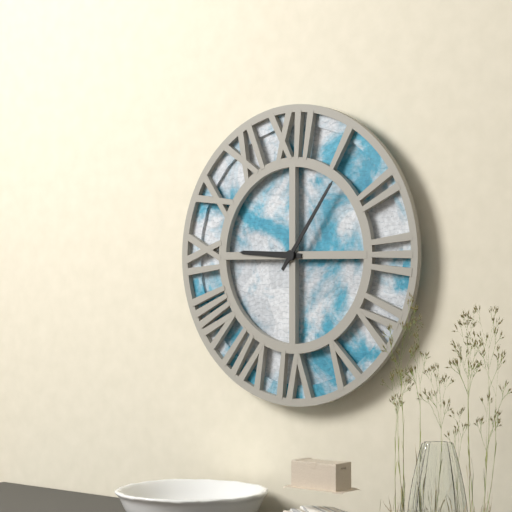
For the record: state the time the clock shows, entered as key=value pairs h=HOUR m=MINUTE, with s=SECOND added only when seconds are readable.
h=9 m=6
